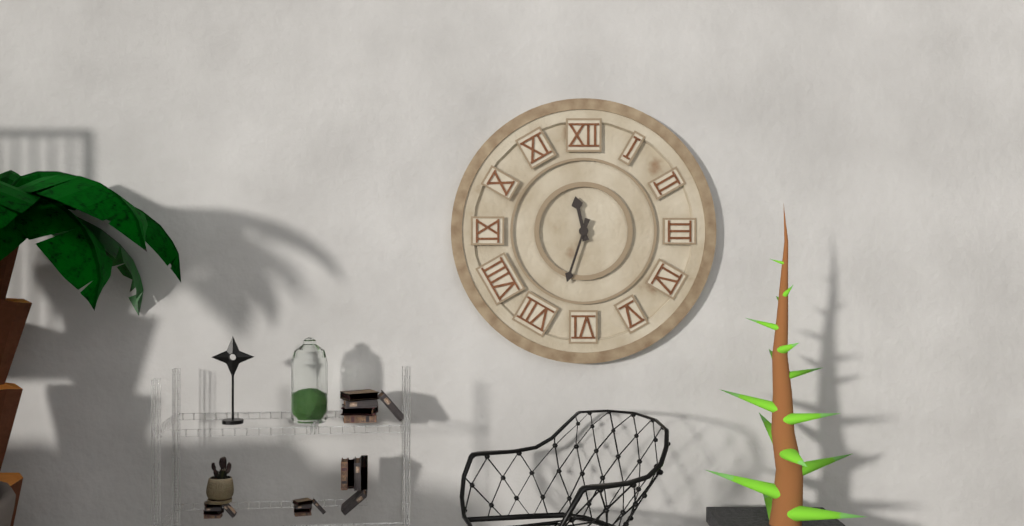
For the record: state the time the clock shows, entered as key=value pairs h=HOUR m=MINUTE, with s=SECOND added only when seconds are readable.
h=11 m=33
